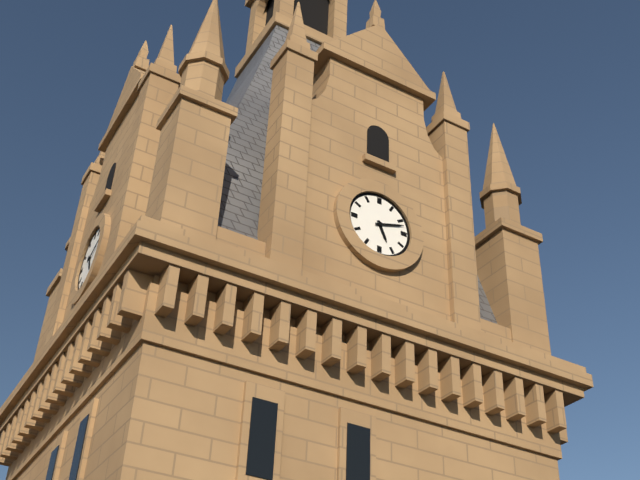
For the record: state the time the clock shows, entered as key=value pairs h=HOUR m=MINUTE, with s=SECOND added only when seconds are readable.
h=5 m=12
